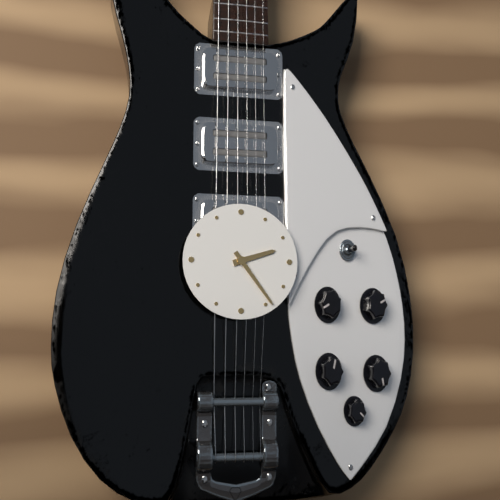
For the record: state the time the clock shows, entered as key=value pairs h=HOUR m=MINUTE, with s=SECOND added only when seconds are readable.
h=2 m=24
